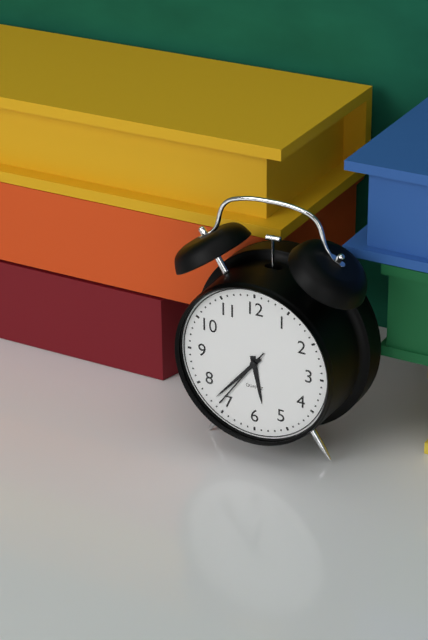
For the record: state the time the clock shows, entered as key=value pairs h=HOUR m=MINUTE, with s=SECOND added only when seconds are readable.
h=5 m=37 s=36
